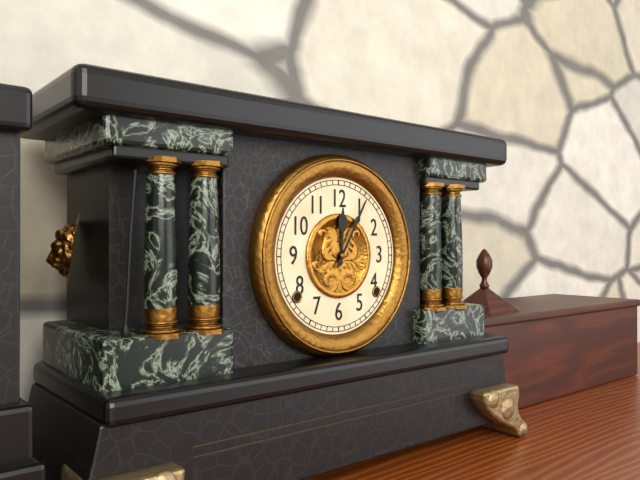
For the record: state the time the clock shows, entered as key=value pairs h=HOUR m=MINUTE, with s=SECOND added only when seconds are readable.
h=12 m=5
